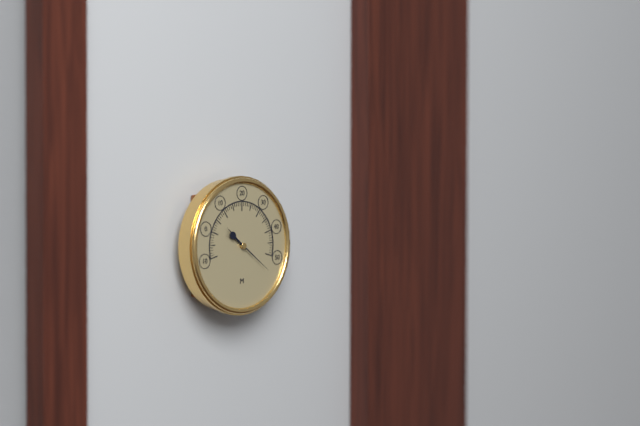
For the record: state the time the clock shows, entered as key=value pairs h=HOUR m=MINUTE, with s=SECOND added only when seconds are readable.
h=10 m=21
